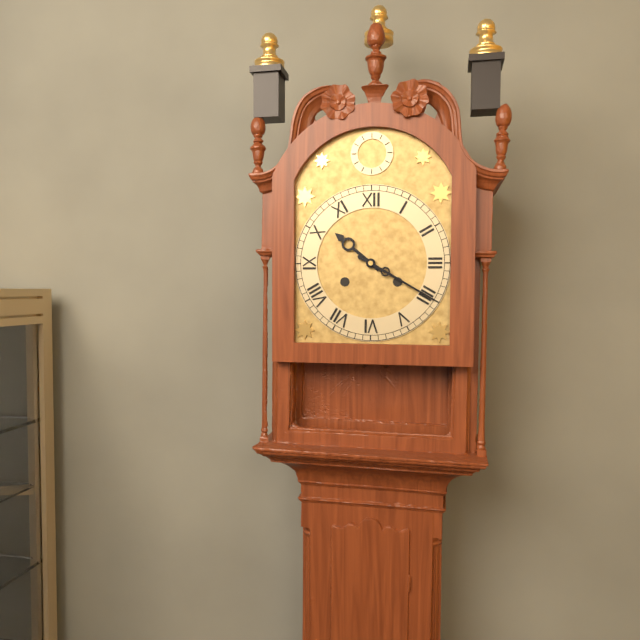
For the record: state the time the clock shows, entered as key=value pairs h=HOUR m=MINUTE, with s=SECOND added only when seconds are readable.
h=10 m=20
